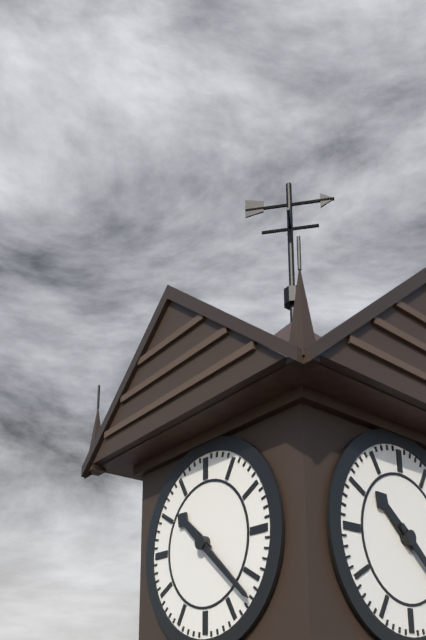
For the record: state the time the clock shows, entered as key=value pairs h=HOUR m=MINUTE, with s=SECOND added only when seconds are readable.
h=10 m=22
